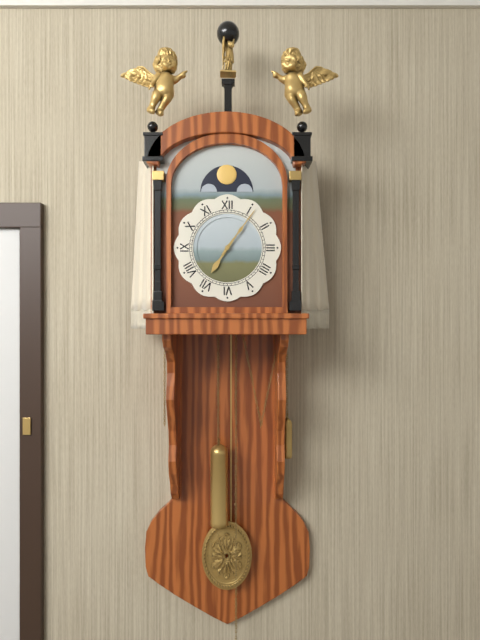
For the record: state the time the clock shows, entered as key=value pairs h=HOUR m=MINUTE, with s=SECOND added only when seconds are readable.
h=7 m=6
